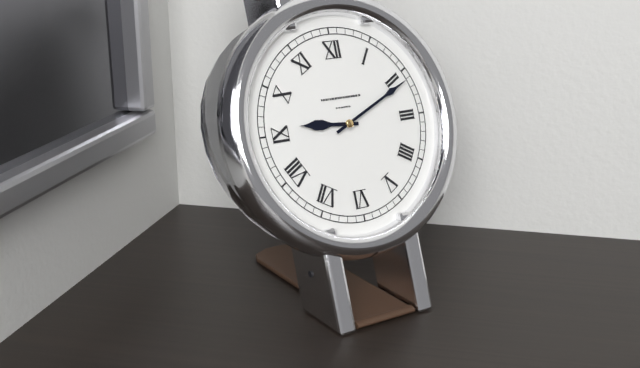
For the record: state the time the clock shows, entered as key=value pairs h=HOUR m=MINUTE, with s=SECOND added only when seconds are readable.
h=9 m=11
